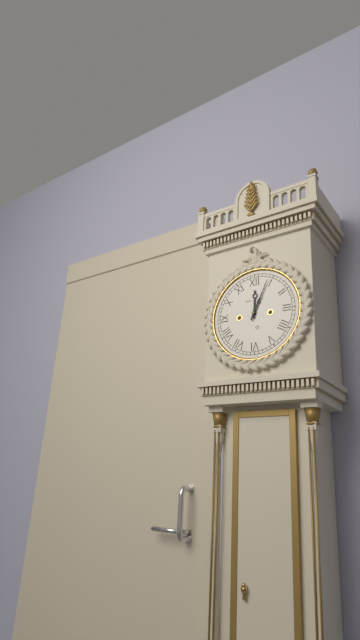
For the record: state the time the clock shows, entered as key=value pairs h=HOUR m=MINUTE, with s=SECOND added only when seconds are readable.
h=12 m=4
